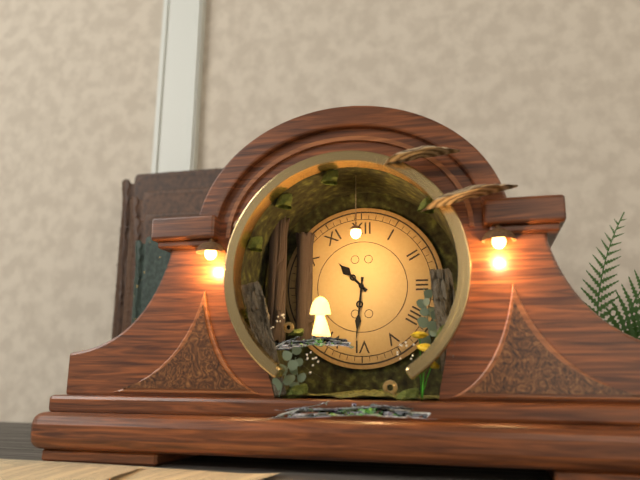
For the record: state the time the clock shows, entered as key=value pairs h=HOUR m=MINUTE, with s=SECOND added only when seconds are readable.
h=10 m=31
